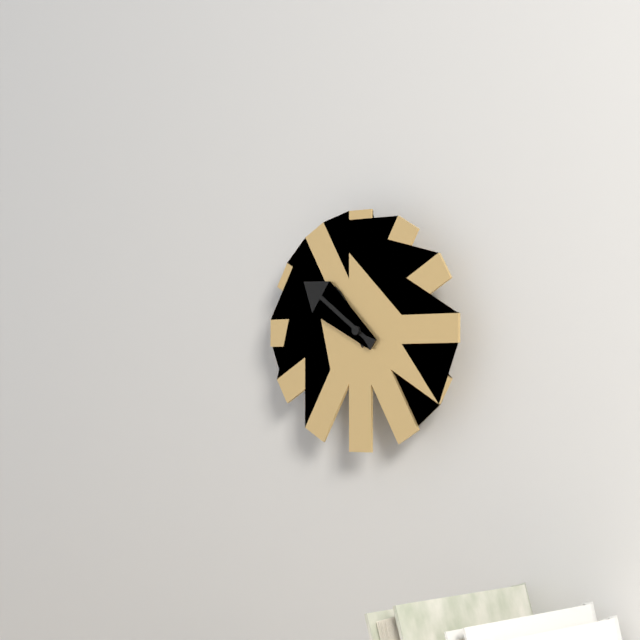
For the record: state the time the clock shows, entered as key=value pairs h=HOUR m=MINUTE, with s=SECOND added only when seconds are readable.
h=10 m=51
